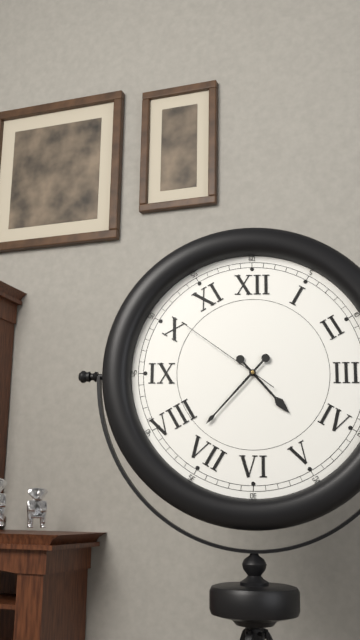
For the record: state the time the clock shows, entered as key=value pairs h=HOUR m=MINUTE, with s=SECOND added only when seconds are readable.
h=4 m=37 s=51
